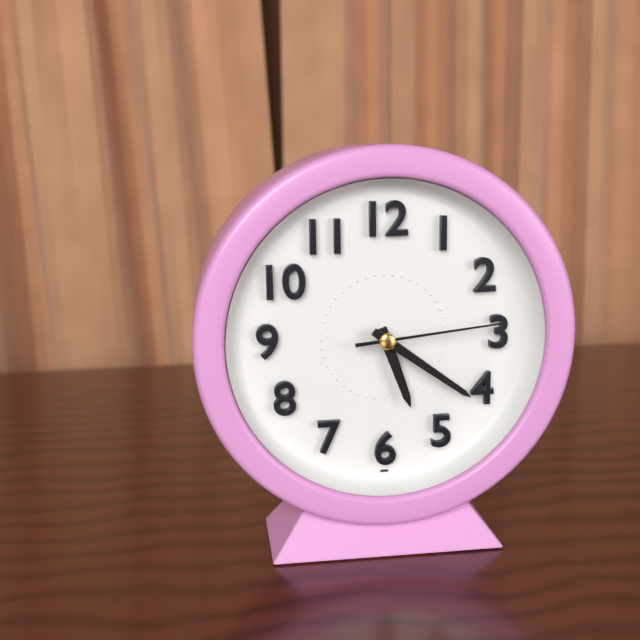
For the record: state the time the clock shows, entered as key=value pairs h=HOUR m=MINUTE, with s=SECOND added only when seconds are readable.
h=5 m=21 s=14
